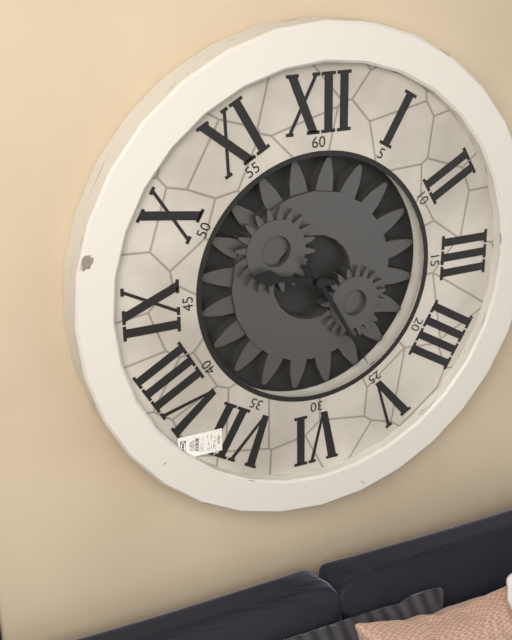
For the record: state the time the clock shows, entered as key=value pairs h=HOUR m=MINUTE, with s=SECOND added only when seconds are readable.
h=9 m=25
